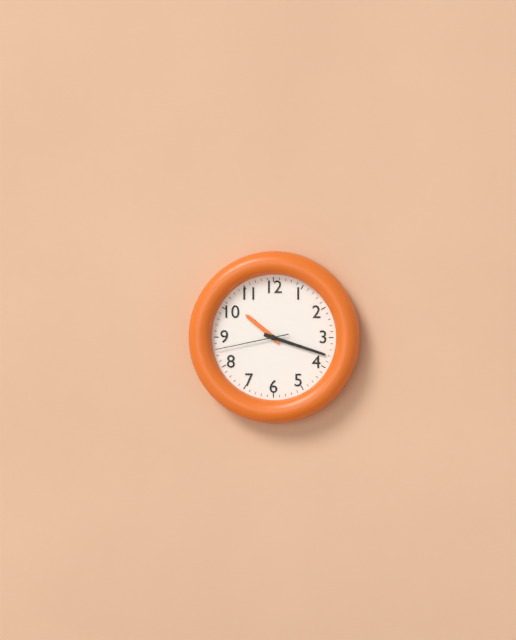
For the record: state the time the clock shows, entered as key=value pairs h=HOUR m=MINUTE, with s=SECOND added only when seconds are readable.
h=10 m=18 s=43
